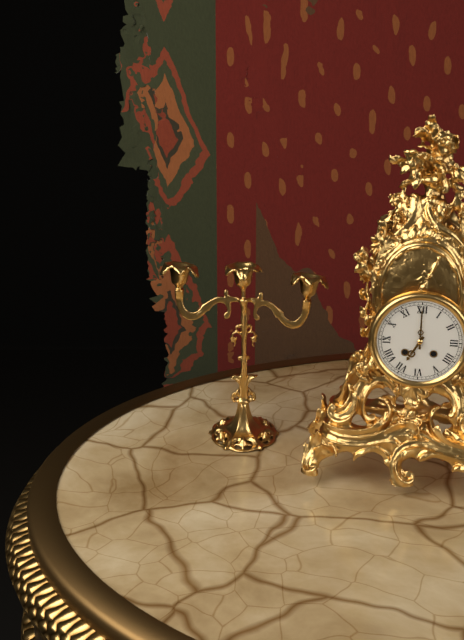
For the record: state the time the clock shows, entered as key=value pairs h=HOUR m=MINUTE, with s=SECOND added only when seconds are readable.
h=7 m=0
